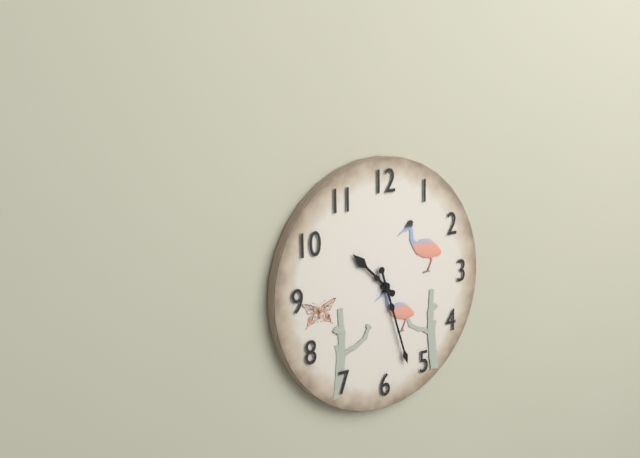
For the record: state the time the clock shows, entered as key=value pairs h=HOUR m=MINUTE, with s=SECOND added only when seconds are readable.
h=10 m=27
